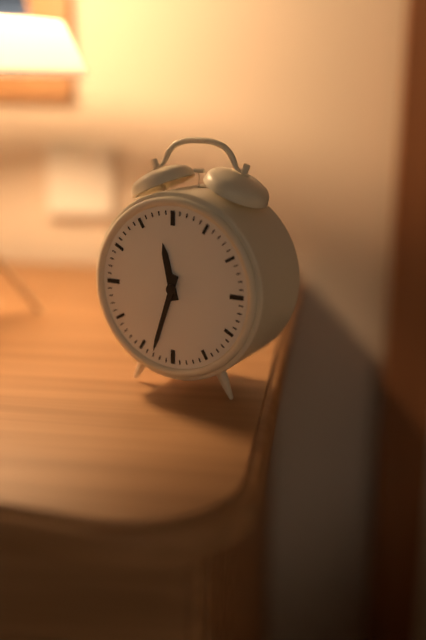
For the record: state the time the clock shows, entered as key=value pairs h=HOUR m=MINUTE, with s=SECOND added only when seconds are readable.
h=11 m=33
